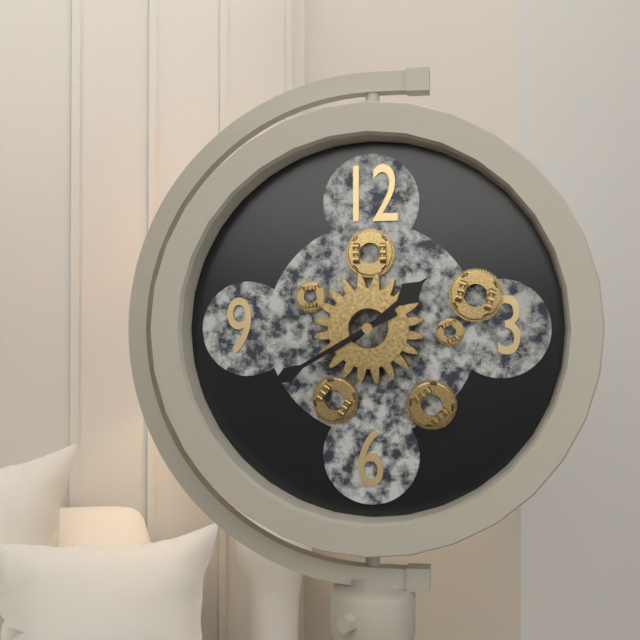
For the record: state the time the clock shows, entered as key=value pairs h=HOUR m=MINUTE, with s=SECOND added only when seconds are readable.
h=1 m=40
